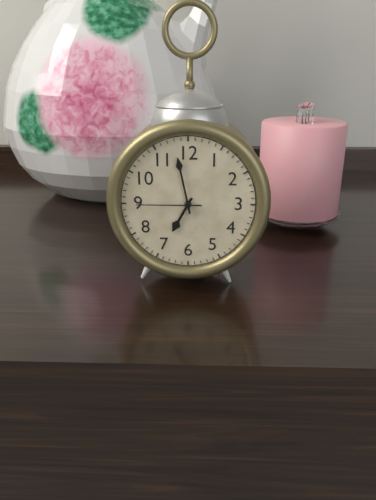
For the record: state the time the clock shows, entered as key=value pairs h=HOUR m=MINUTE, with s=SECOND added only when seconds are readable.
h=6 m=58 s=45
